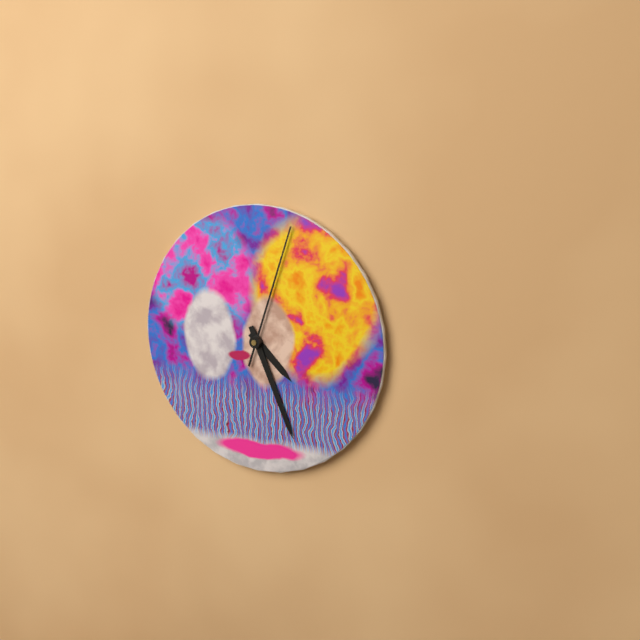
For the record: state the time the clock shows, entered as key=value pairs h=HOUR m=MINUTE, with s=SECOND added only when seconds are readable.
h=4 m=26 s=3
